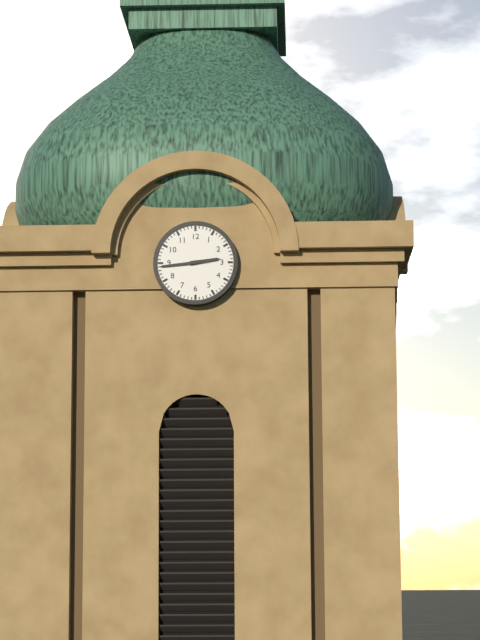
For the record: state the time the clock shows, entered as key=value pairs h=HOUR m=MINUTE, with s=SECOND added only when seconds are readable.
h=2 m=44
